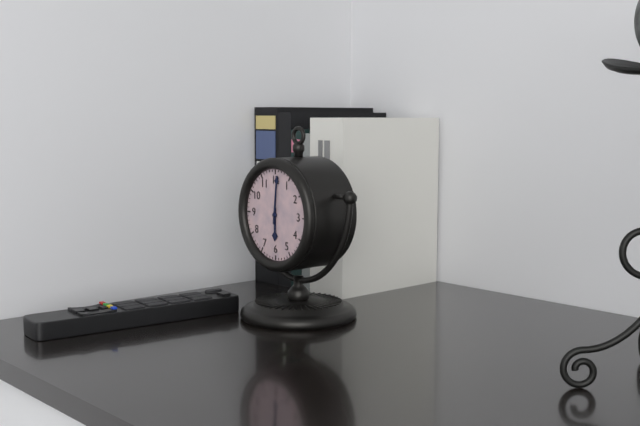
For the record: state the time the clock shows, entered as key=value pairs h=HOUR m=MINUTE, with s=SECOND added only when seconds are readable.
h=6 m=1
